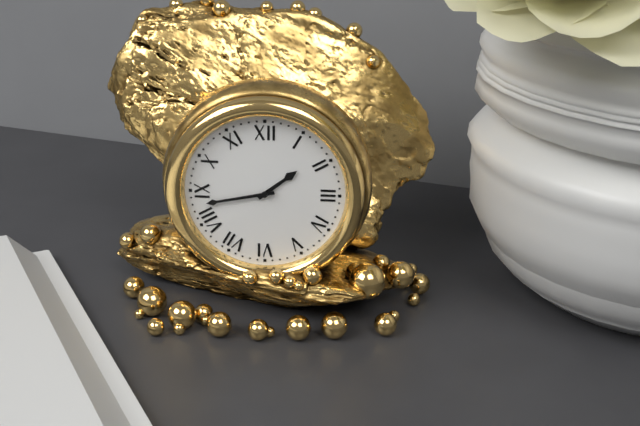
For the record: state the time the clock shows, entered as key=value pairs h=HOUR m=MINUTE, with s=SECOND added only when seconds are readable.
h=1 m=43
